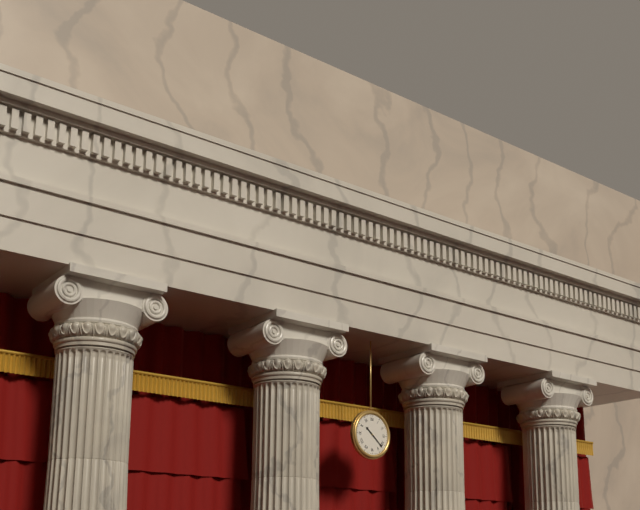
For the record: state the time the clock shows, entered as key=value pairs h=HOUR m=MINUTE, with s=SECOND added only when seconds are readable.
h=10 m=22
